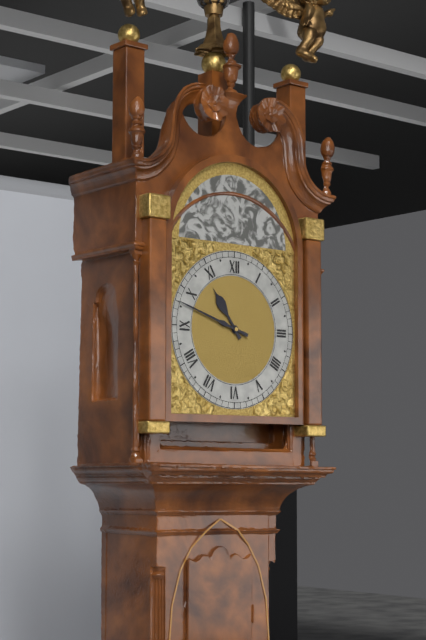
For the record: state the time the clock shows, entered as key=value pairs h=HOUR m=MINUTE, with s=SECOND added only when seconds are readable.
h=10 m=48
